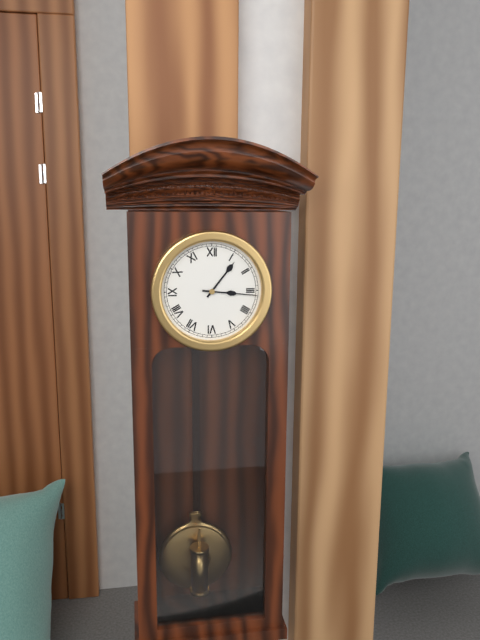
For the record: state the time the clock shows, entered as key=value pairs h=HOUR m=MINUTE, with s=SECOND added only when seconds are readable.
h=1 m=16
